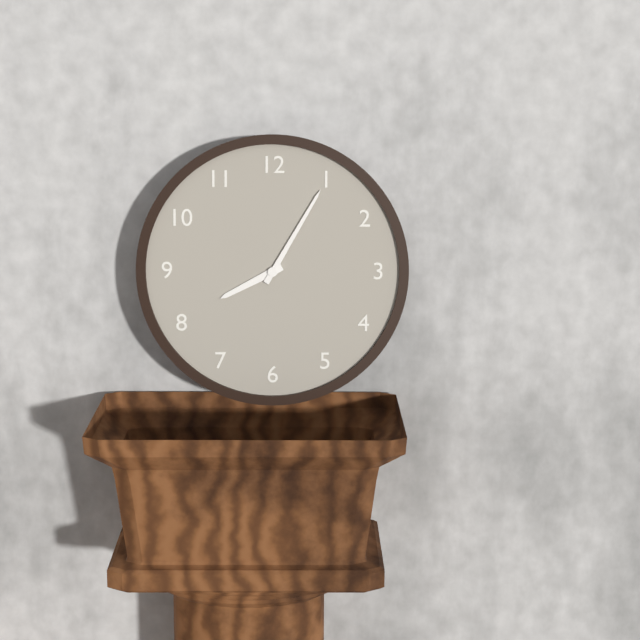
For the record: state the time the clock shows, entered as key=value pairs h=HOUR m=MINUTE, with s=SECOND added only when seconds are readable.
h=8 m=5
